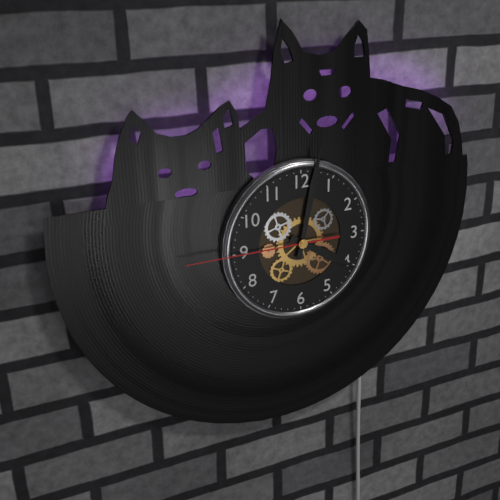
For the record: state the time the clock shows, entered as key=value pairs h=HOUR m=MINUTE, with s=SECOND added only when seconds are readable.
h=4 m=2 s=45
